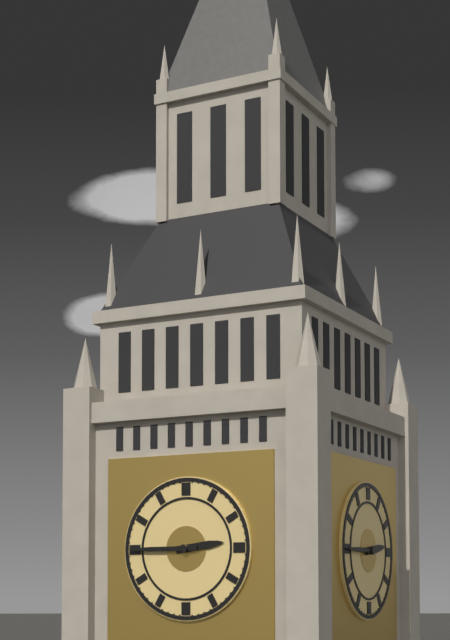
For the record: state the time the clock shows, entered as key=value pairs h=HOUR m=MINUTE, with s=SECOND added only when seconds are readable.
h=2 m=45
